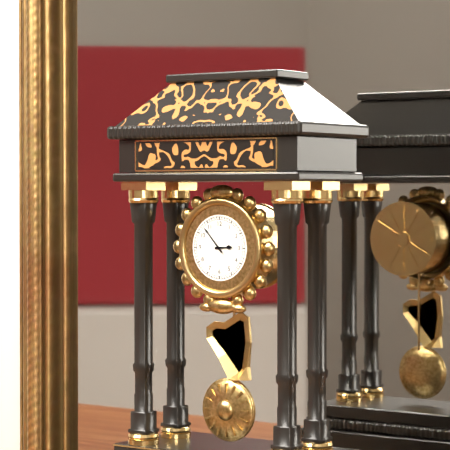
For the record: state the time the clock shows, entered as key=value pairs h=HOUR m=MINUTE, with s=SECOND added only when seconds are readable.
h=2 m=53
